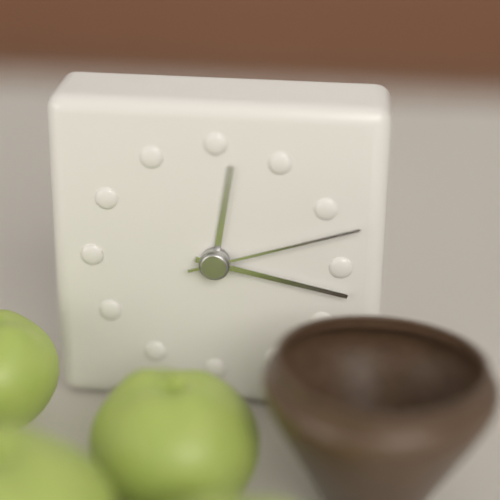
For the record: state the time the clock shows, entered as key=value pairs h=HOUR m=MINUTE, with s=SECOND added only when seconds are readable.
h=12 m=17 s=12
